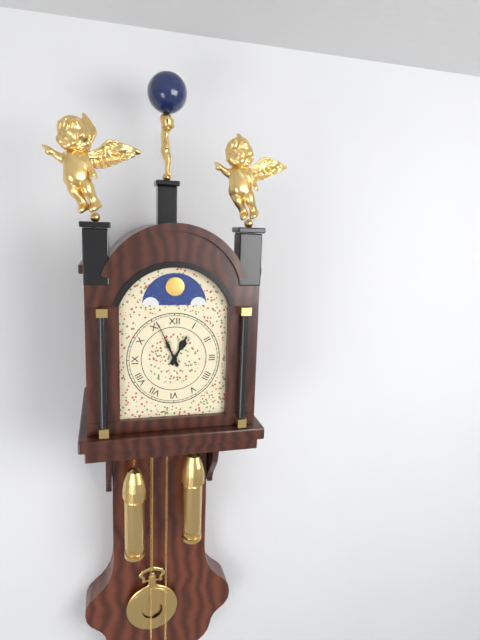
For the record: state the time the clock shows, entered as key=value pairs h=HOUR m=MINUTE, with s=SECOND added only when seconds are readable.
h=12 m=56
